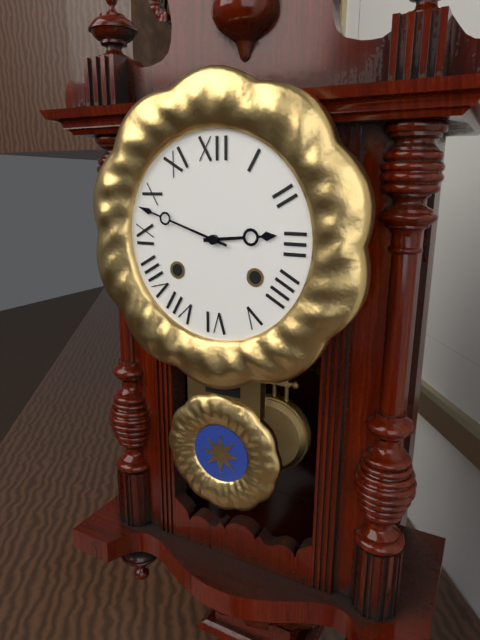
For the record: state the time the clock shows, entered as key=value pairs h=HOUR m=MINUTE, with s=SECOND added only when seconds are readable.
h=2 m=48
